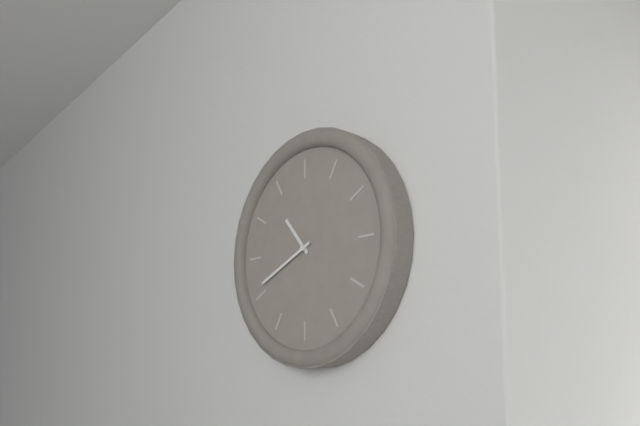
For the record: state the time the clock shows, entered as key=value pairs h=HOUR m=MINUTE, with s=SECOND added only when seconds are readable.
h=10 m=41
